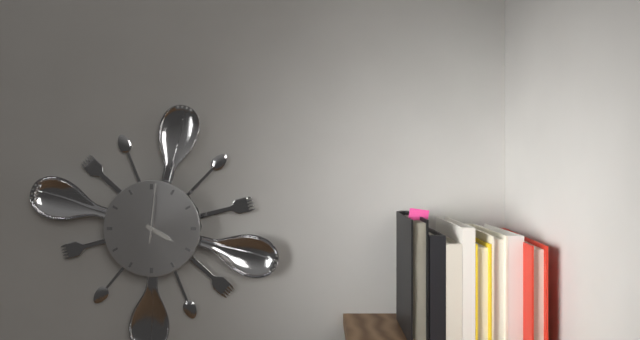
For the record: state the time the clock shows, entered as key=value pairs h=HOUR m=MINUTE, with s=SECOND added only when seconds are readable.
h=4 m=1 s=1
